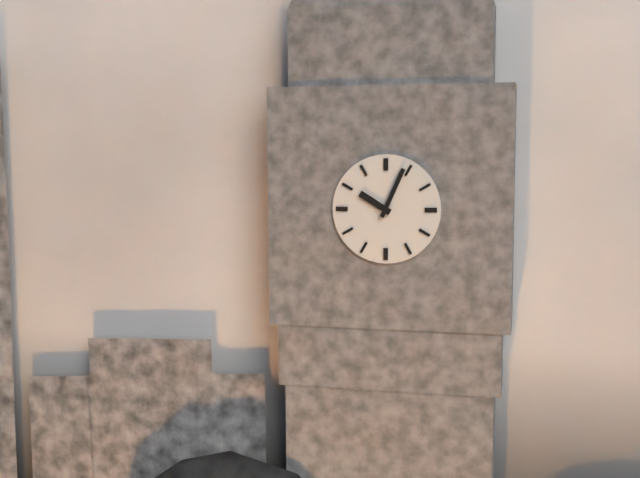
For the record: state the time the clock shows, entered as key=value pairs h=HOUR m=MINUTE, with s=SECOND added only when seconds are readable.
h=10 m=4
